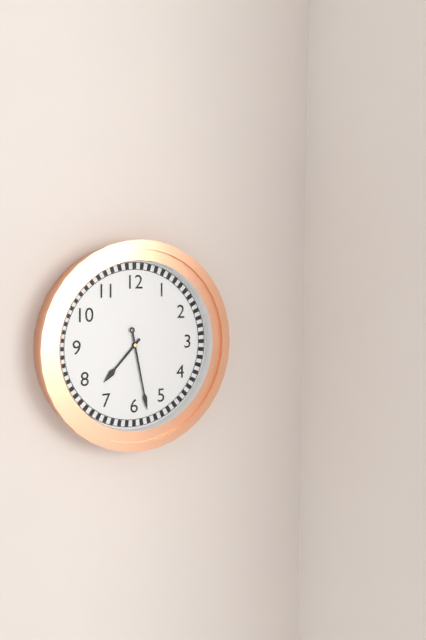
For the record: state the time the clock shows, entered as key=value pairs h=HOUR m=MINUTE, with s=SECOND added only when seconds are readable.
h=7 m=28
